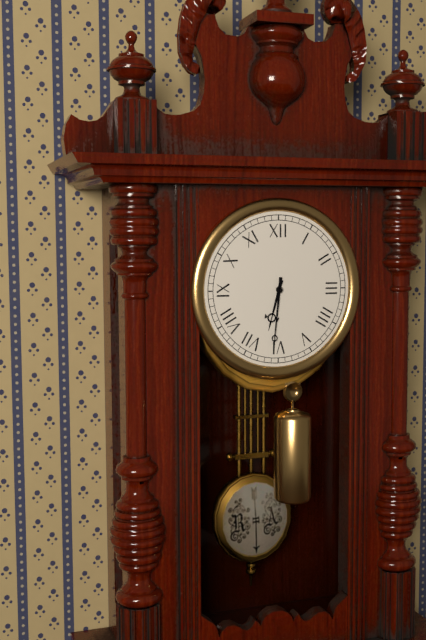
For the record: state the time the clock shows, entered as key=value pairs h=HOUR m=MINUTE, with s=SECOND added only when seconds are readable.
h=6 m=31
